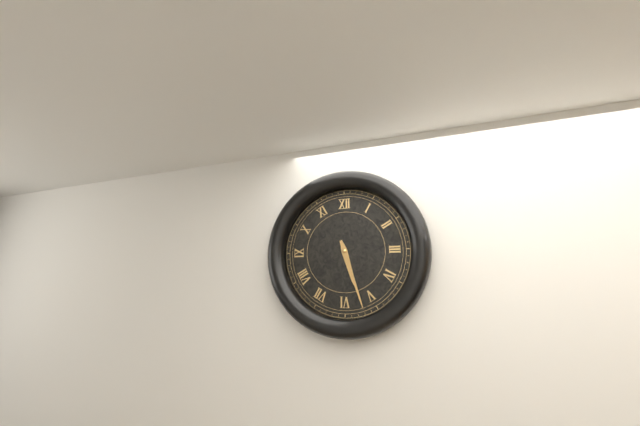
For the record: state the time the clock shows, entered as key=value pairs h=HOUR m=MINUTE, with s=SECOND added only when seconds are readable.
h=5 m=27
